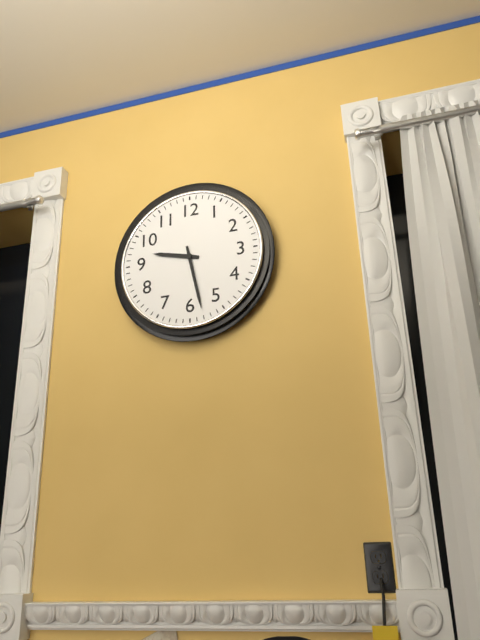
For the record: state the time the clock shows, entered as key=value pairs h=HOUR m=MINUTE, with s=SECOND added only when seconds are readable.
h=9 m=28
